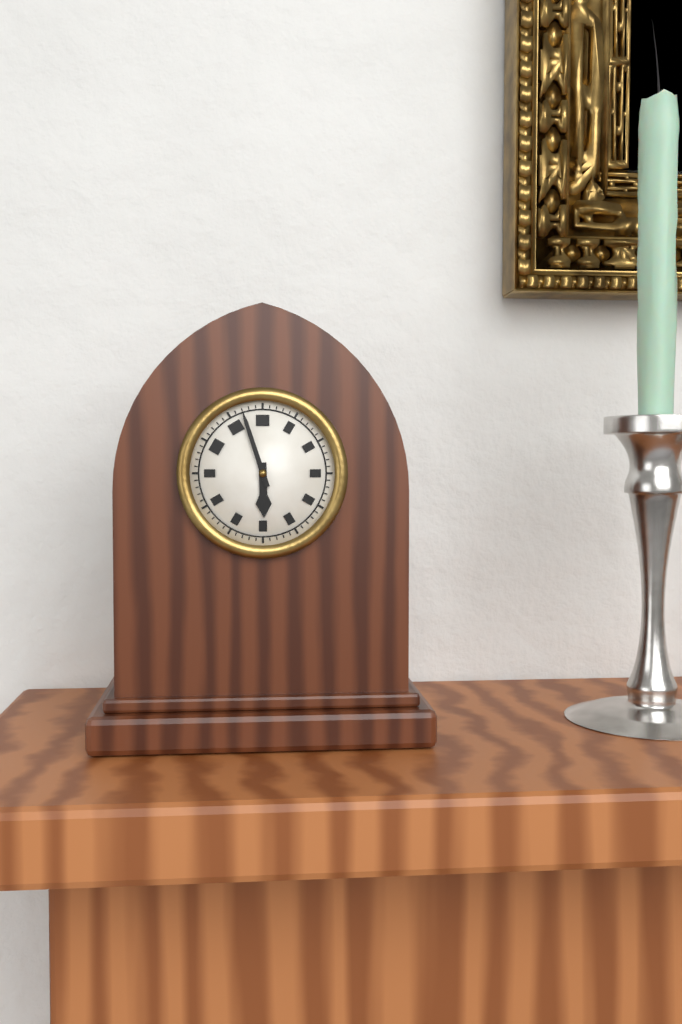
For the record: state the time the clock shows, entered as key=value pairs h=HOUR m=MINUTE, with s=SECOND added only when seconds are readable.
h=5 m=57
